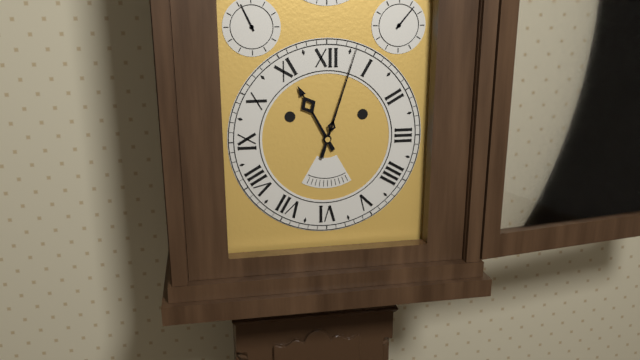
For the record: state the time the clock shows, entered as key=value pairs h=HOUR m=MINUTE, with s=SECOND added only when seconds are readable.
h=11 m=3
